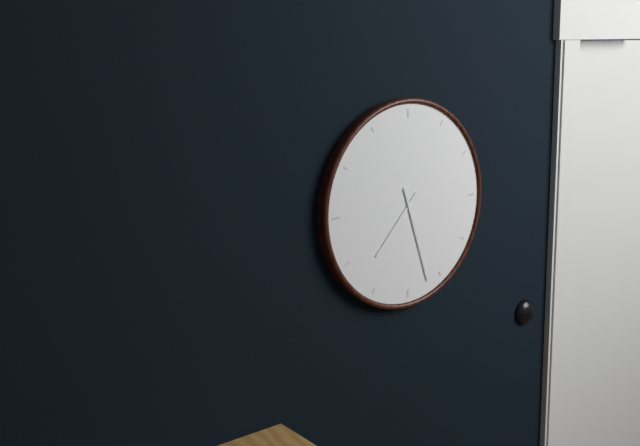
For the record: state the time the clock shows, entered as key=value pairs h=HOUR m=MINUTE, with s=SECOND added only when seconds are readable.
h=7 m=27
